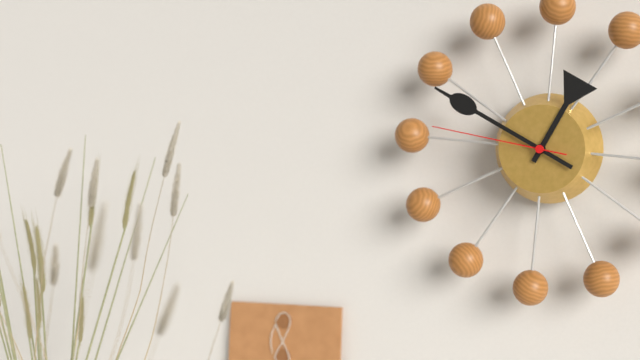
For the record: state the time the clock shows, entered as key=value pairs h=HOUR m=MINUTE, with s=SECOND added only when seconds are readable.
h=12 m=49 s=46
